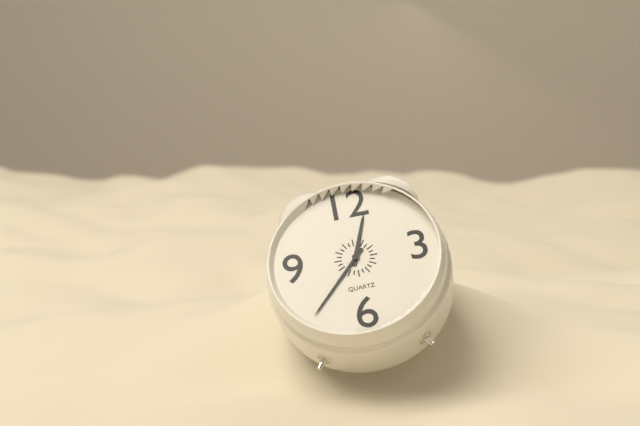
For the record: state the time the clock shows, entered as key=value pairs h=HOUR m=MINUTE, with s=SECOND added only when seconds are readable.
h=12 m=37
